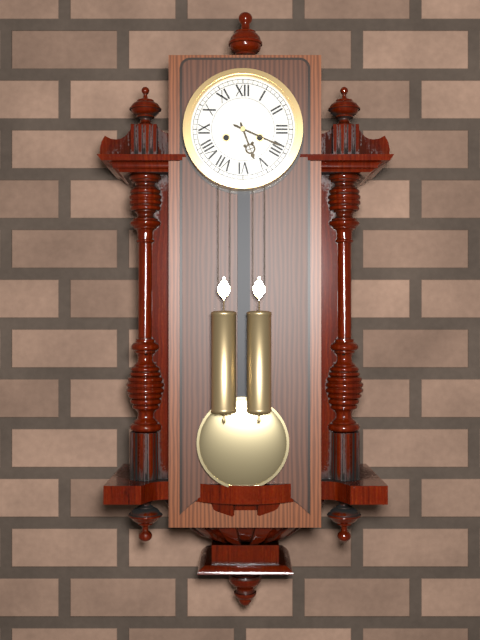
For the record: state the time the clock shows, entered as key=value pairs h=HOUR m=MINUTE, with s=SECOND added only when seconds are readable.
h=5 m=19
